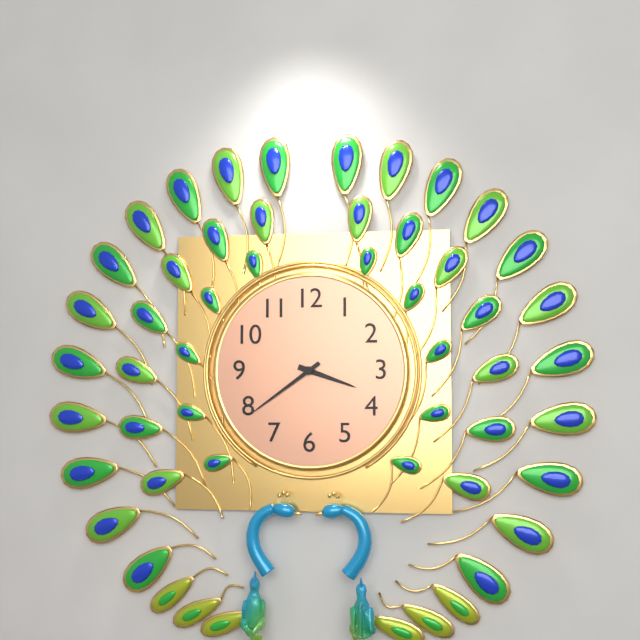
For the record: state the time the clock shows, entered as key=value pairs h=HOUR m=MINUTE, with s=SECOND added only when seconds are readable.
h=3 m=39
